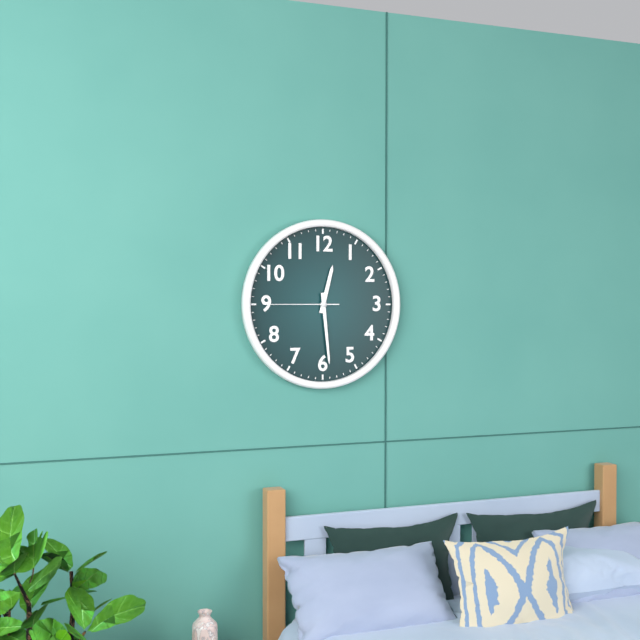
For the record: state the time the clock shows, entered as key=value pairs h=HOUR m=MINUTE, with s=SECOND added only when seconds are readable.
h=12 m=29 s=45
